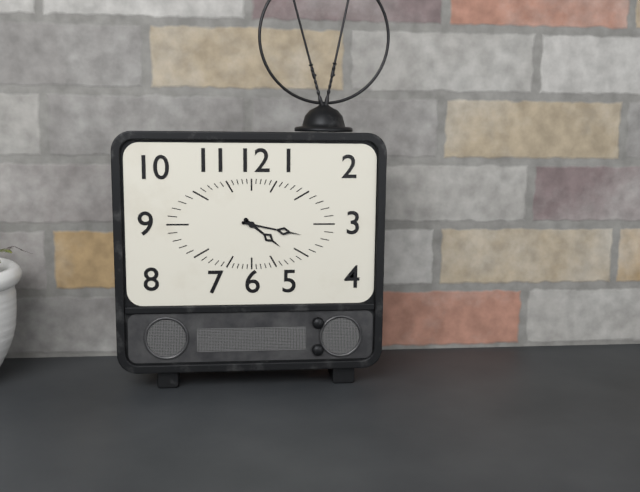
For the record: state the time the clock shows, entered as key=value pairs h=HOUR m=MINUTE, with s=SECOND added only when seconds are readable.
h=4 m=17
